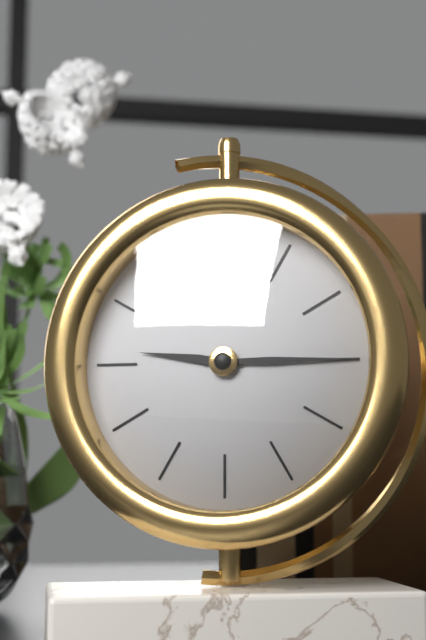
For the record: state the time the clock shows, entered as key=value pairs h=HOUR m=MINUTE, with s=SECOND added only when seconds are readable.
h=9 m=15
